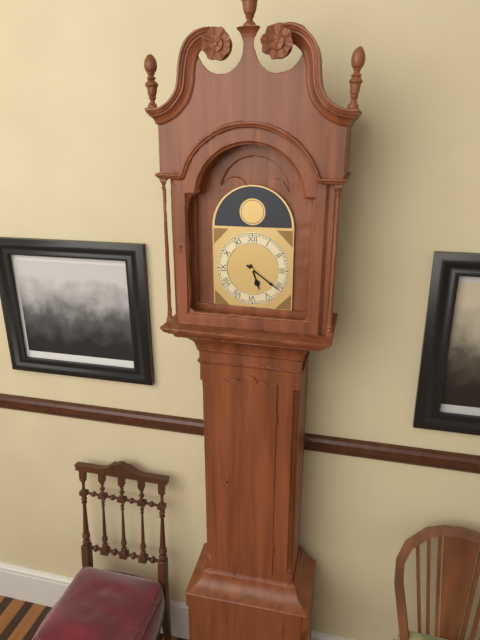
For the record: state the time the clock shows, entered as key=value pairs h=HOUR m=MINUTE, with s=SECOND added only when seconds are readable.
h=5 m=21
